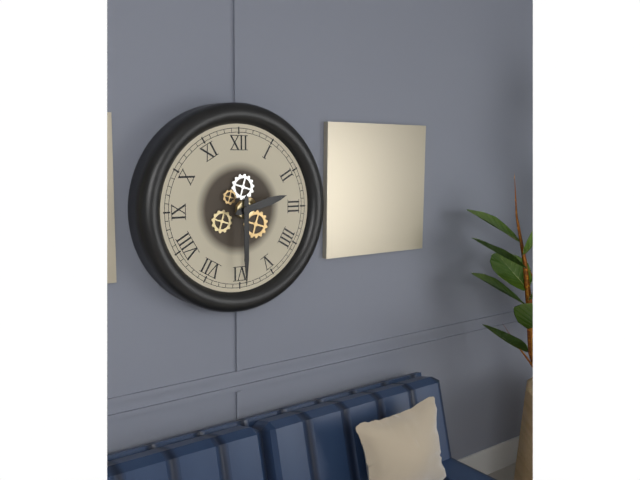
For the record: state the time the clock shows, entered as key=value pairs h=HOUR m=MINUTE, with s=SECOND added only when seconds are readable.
h=2 m=30
